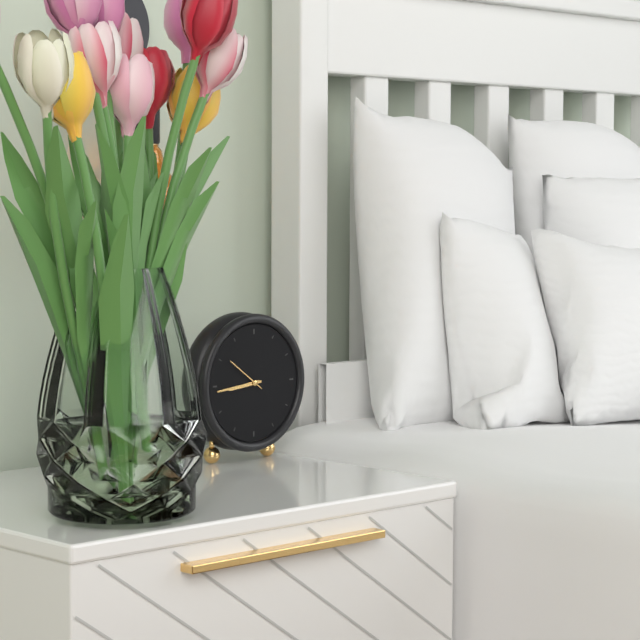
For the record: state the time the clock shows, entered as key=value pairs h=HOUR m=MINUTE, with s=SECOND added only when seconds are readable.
h=8 m=44
